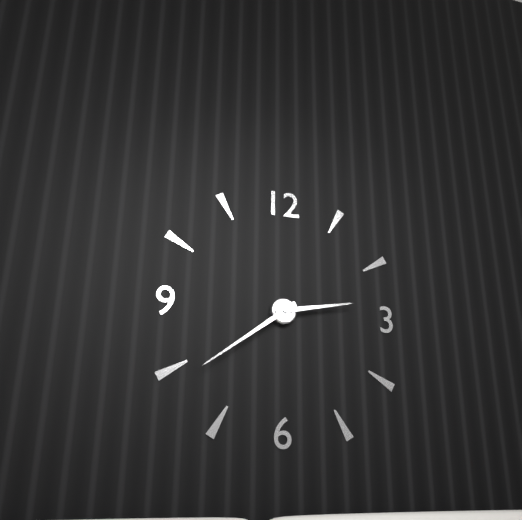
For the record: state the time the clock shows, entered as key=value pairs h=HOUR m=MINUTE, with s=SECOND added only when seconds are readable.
h=2 m=39
